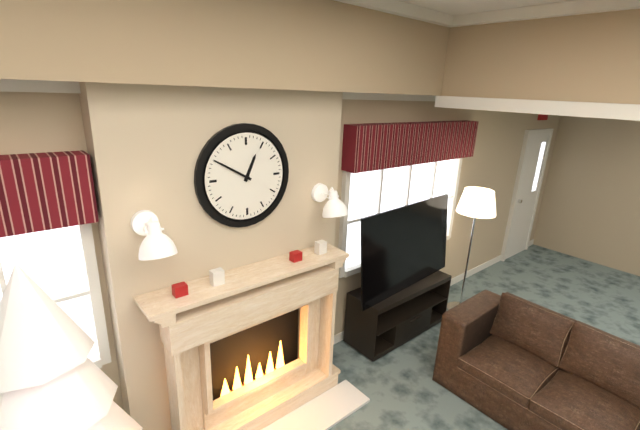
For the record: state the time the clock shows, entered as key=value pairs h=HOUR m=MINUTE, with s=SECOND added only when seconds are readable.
h=12 m=50
